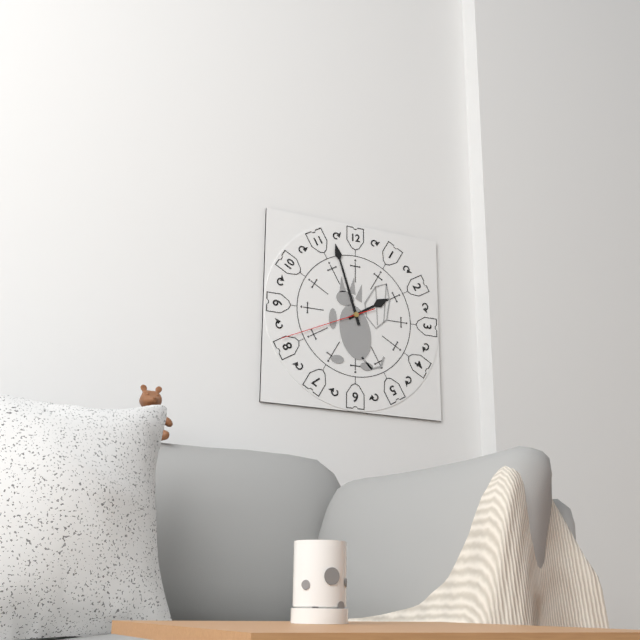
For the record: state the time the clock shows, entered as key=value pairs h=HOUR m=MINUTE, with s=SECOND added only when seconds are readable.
h=1 m=57 s=41
